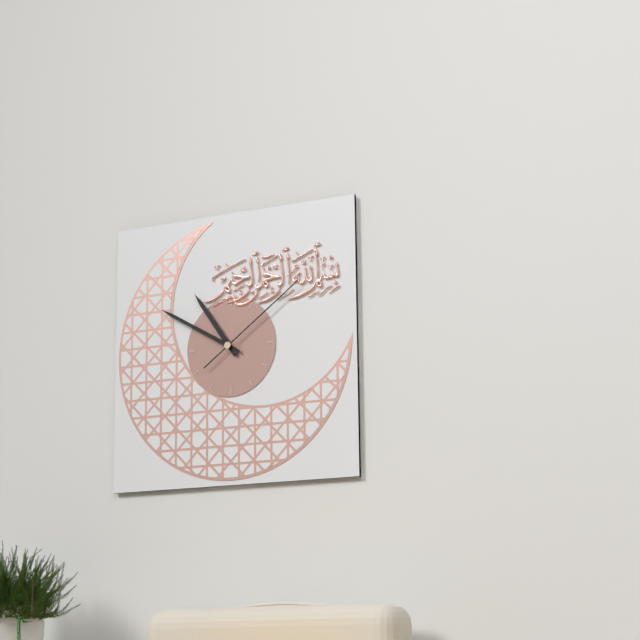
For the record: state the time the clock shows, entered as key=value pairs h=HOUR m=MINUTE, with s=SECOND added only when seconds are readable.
h=10 m=50 s=9
